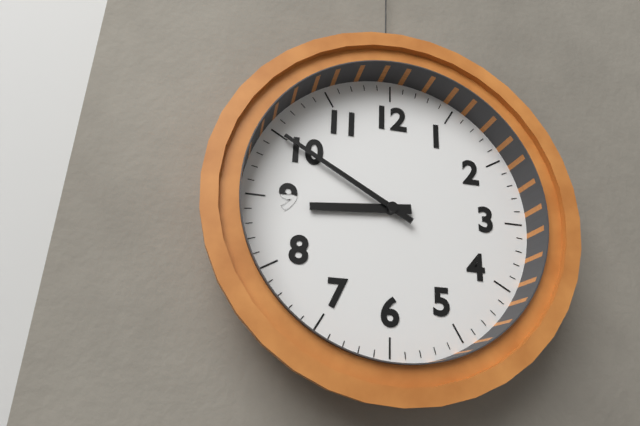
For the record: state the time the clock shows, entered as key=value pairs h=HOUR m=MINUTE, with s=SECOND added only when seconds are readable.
h=8 m=50
